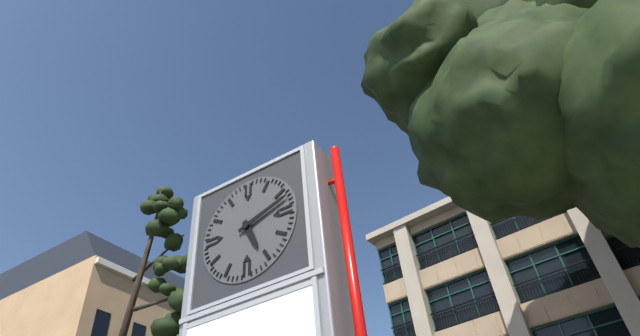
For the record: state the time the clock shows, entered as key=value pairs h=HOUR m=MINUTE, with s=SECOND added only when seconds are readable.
h=5 m=12
